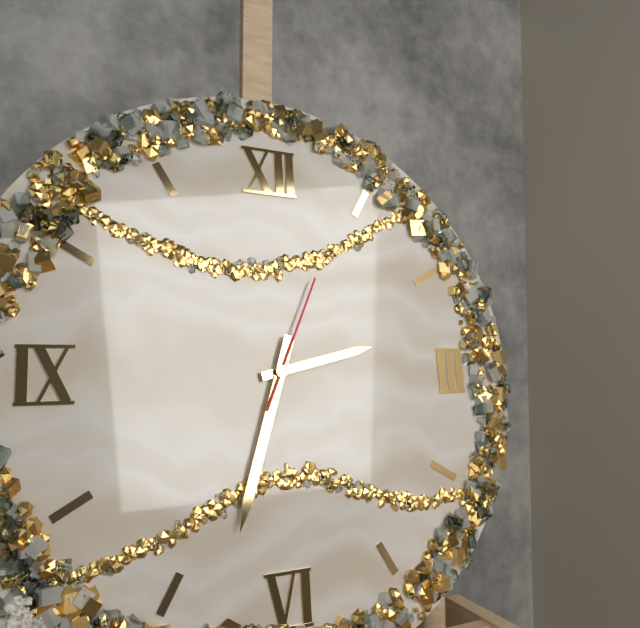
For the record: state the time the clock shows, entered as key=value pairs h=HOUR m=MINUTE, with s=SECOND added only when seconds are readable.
h=2 m=33 s=4
